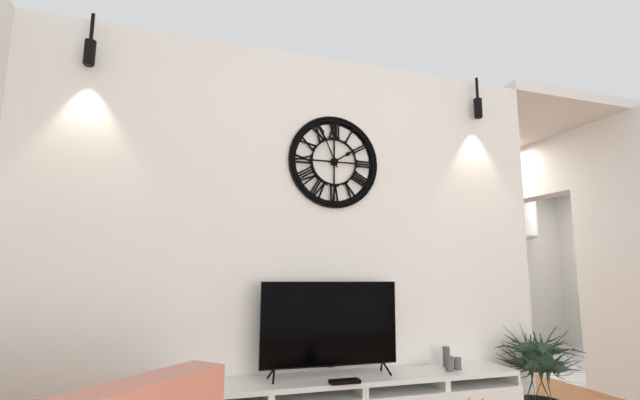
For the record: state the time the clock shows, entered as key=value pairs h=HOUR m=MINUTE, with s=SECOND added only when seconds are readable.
h=1 m=56
